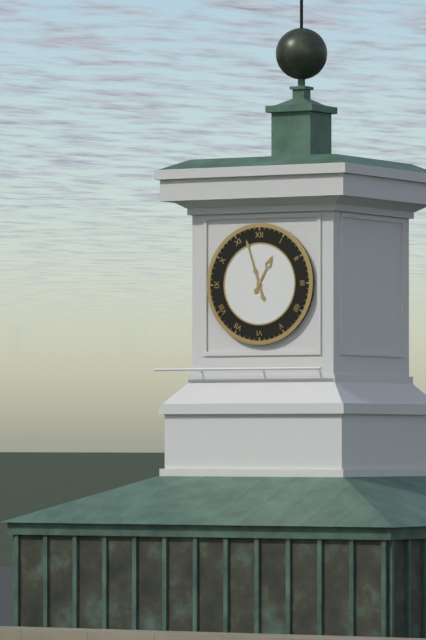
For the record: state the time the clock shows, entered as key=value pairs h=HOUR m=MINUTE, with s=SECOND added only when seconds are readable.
h=12 m=57
